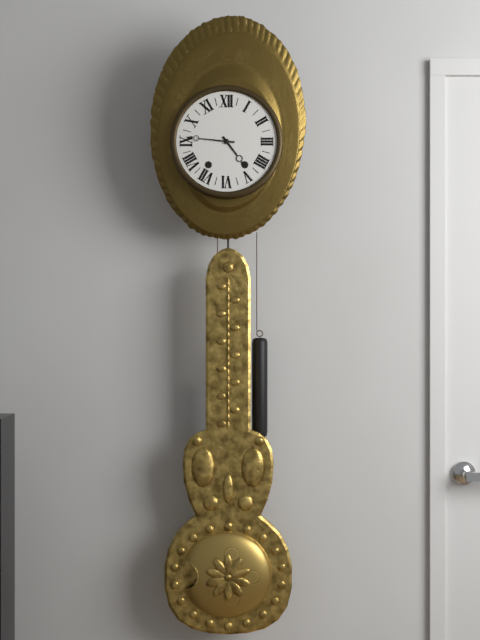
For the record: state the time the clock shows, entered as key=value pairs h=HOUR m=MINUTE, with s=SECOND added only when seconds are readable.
h=4 m=46
